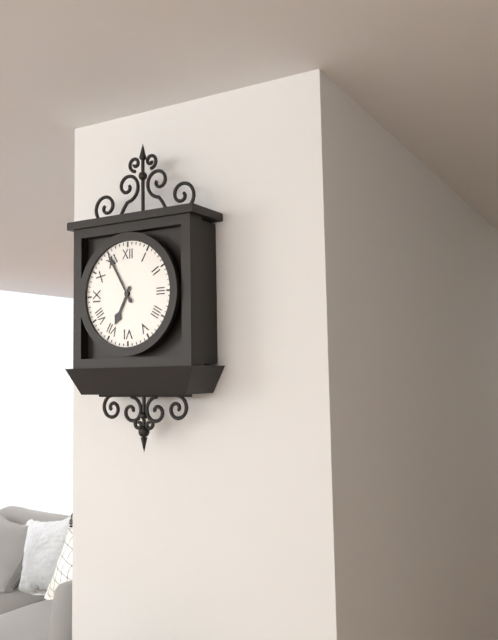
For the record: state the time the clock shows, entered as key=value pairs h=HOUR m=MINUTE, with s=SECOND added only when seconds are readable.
h=6 m=55
